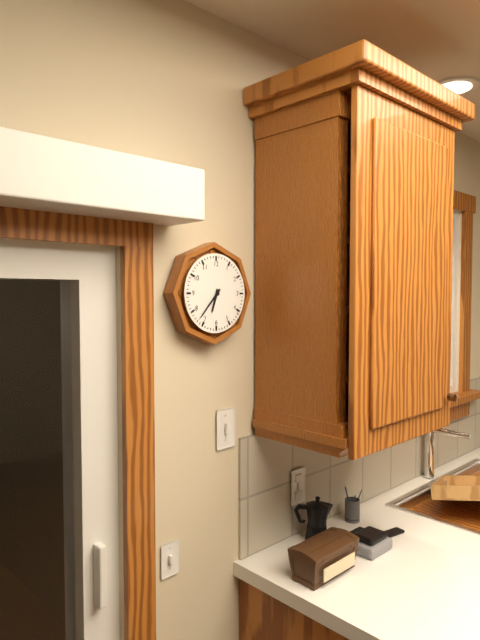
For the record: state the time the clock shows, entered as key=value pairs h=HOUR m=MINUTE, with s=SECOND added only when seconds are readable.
h=6 m=37
